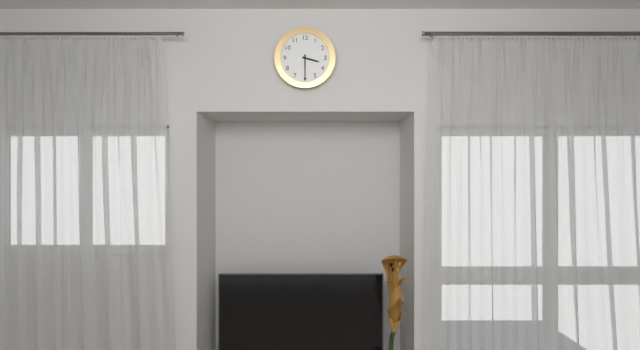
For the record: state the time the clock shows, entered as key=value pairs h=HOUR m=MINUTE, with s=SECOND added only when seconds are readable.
h=3 m=30
